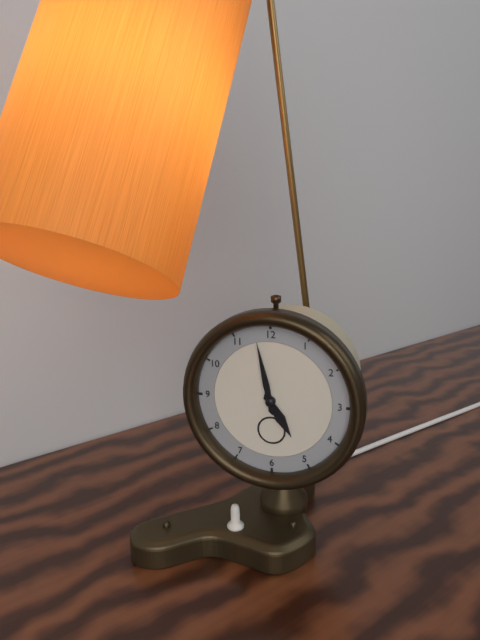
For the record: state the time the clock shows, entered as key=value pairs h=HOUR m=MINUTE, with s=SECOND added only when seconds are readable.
h=4 m=58
